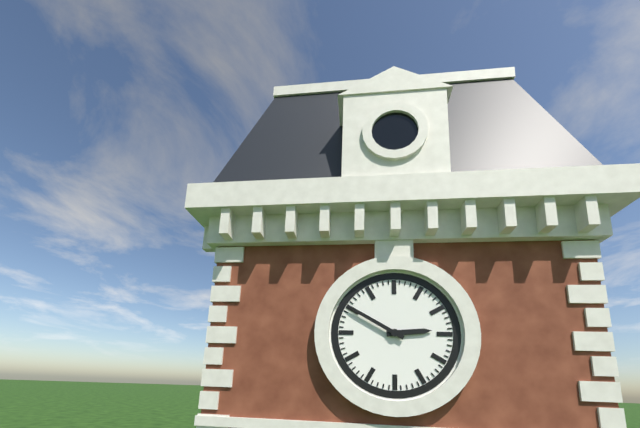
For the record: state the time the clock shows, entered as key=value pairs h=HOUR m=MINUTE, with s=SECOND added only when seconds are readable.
h=2 m=50
